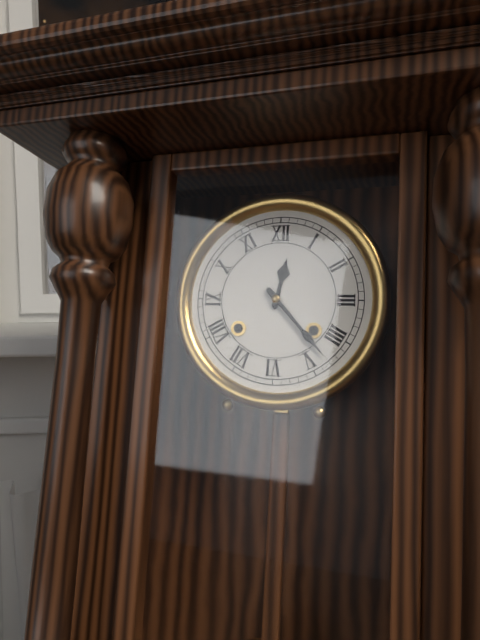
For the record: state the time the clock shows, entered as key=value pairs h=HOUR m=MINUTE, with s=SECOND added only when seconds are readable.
h=12 m=23
